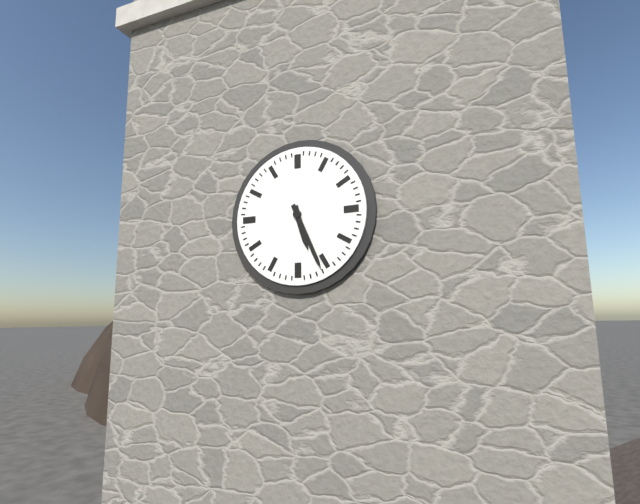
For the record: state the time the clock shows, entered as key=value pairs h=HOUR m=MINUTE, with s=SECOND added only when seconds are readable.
h=5 m=26
